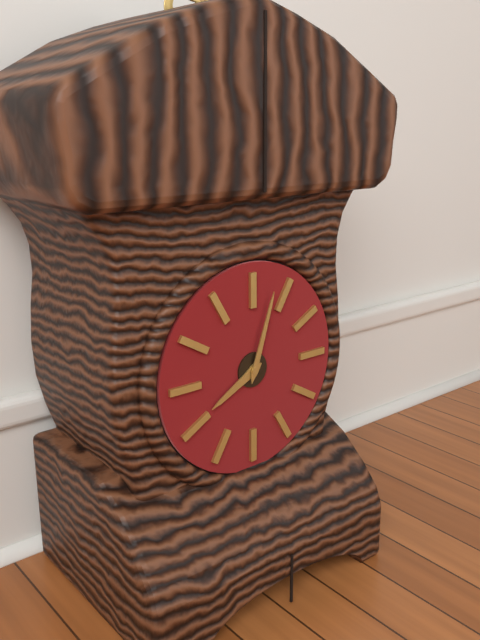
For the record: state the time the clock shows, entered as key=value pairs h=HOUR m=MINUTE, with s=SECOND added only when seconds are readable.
h=8 m=3
